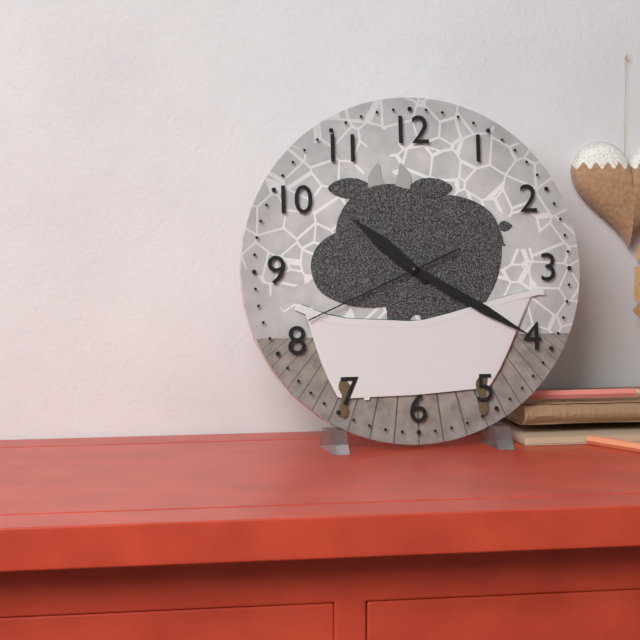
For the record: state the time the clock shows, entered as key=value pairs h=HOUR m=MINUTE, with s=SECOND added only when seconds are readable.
h=10 m=20 s=41
